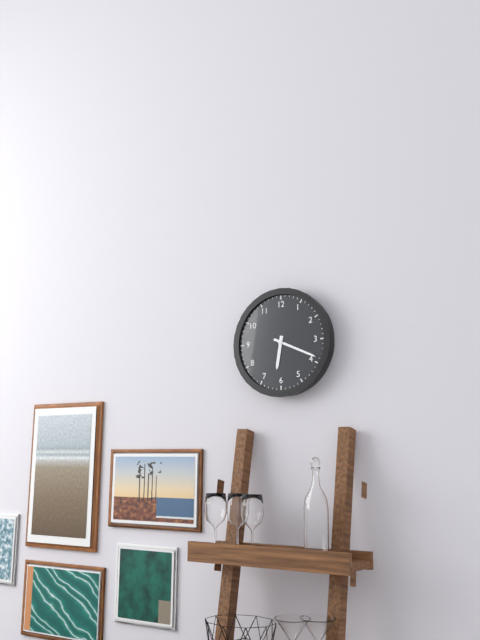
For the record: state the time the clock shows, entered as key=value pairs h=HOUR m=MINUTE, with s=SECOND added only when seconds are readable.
h=6 m=19
